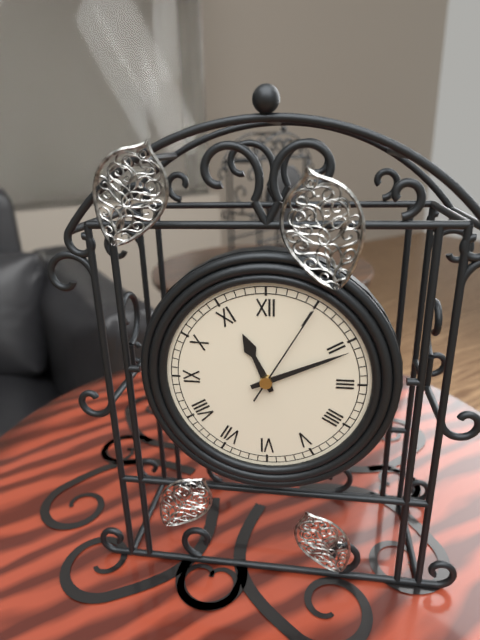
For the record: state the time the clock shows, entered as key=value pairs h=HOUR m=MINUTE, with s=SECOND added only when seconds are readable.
h=11 m=11 s=5
